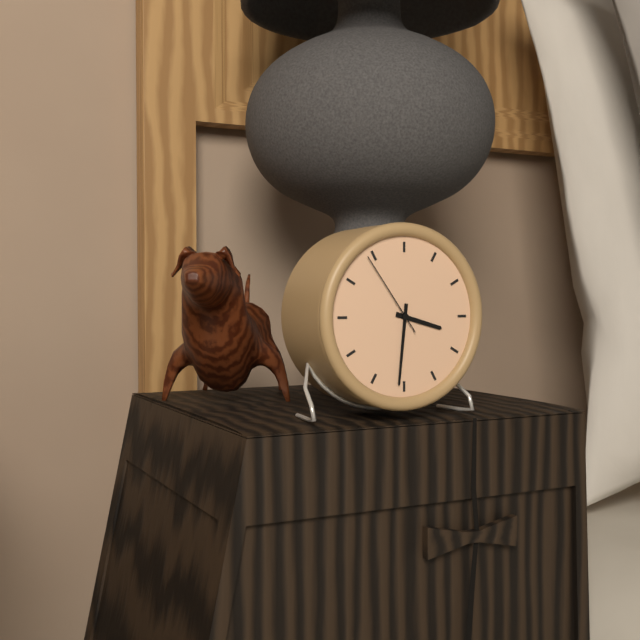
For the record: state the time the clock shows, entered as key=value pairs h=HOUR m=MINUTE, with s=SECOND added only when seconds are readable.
h=3 m=31 s=54
